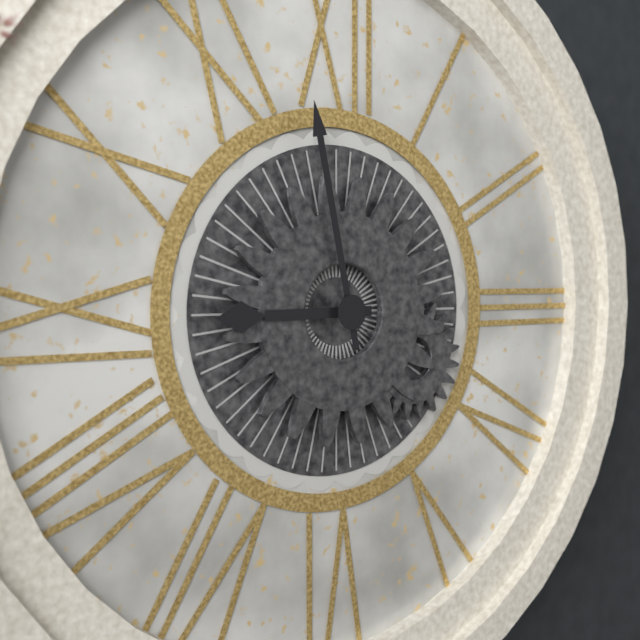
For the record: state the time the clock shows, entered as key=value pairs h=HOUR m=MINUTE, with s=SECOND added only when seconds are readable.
h=8 m=58
